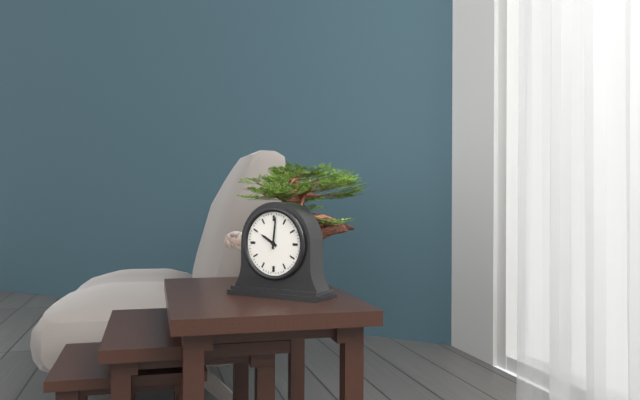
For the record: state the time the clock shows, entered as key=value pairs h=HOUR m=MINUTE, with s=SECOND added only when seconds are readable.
h=10 m=1
